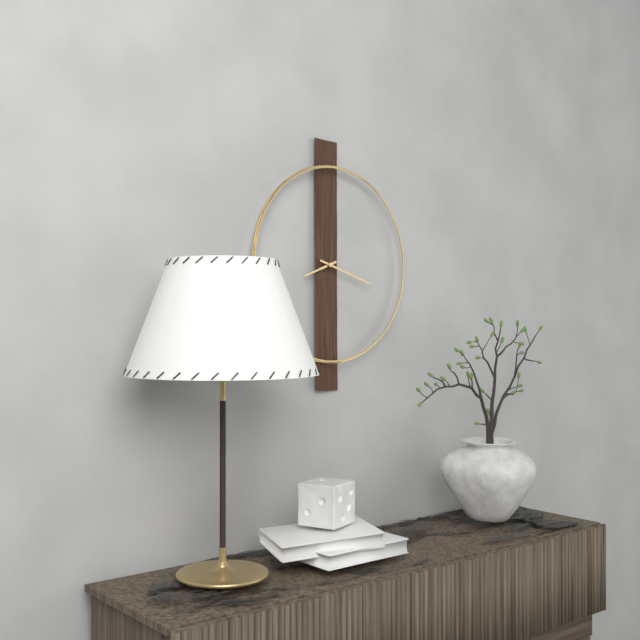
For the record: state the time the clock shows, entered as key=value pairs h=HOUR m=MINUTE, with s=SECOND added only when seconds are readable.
h=8 m=18
